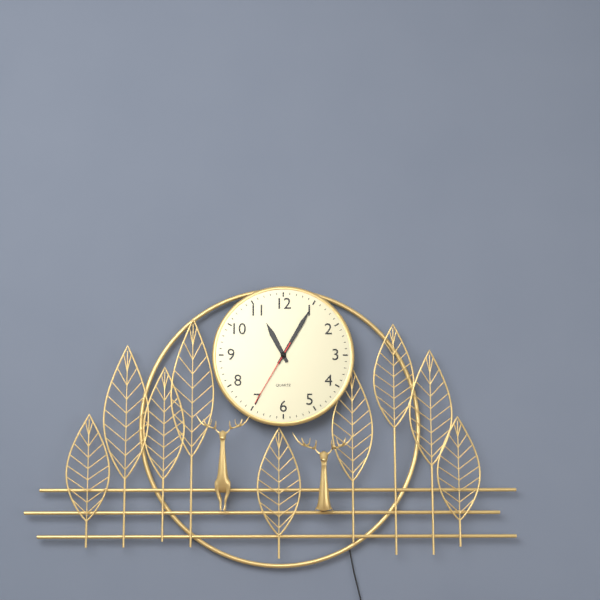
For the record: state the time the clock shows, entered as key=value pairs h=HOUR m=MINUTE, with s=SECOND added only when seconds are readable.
h=11 m=5 s=35
